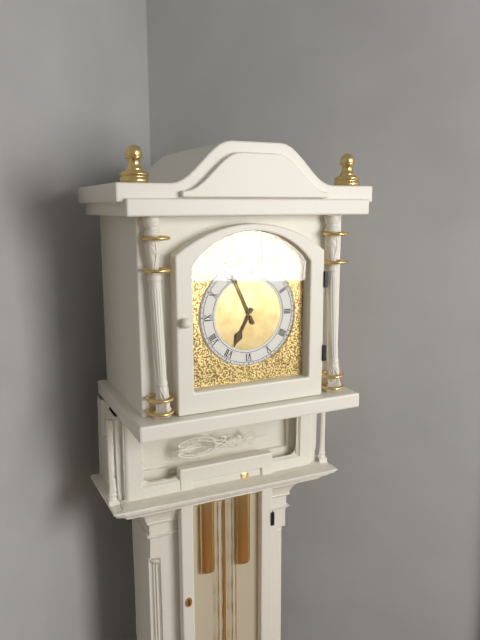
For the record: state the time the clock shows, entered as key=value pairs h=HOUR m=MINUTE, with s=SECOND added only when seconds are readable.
h=6 m=56
